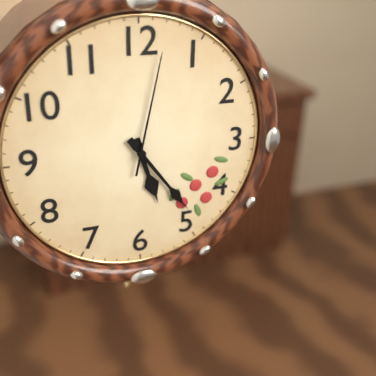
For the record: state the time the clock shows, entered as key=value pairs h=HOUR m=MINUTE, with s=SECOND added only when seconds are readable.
h=5 m=24 s=2
